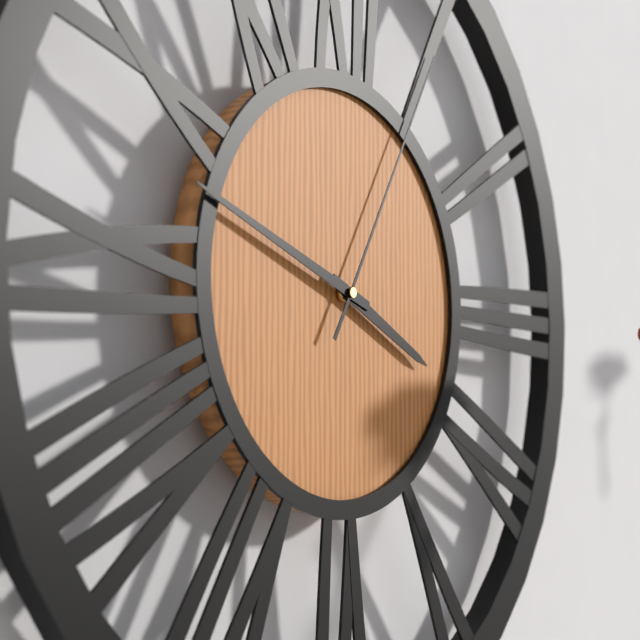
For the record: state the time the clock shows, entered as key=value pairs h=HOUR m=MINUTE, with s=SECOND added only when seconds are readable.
h=3 m=48 s=5
